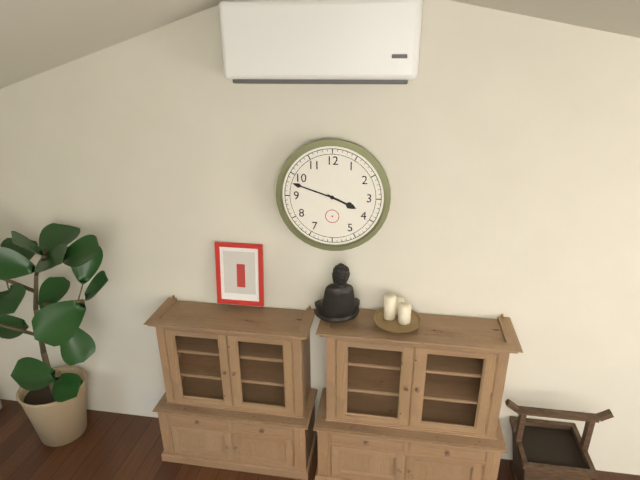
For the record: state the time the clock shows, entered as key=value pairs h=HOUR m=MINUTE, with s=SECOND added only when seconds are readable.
h=3 m=48
